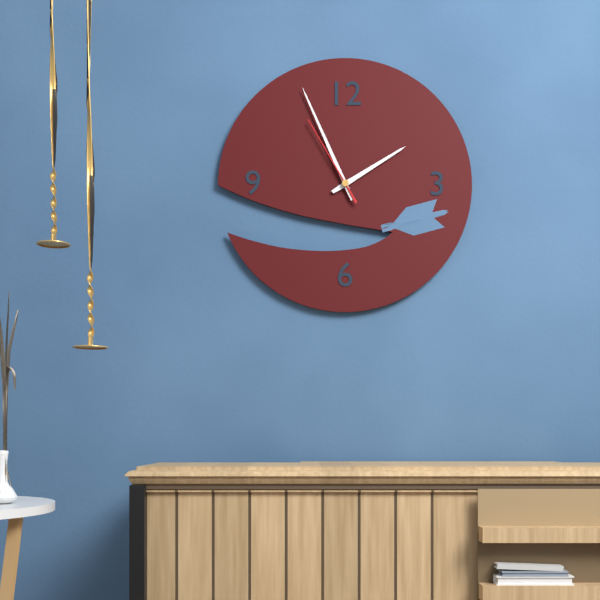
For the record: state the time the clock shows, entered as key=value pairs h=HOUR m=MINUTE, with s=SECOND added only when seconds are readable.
h=1 m=56 s=55
